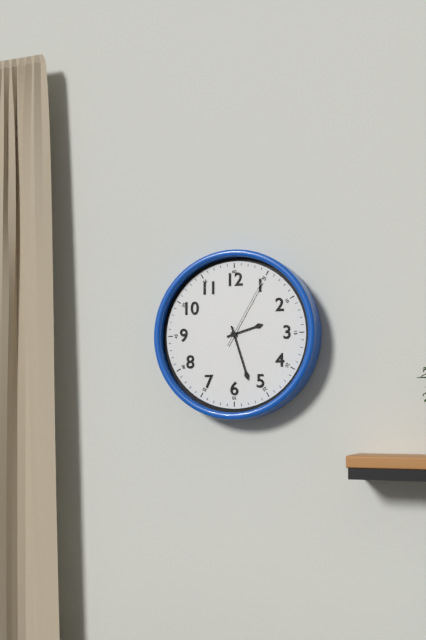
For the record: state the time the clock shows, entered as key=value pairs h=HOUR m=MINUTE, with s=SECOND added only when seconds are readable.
h=2 m=27 s=5
